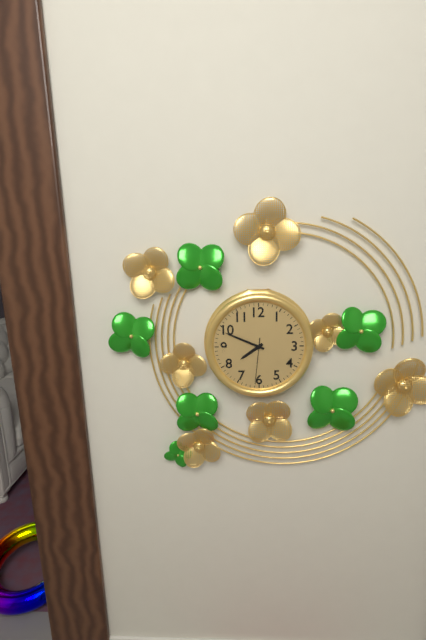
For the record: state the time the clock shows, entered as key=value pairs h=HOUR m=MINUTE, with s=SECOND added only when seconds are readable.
h=7 m=49
